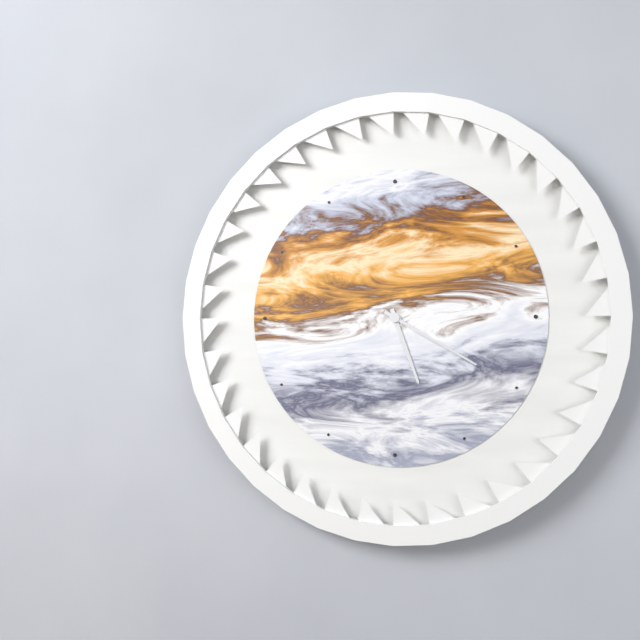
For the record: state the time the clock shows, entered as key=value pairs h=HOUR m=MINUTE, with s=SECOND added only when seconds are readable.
h=5 m=20
